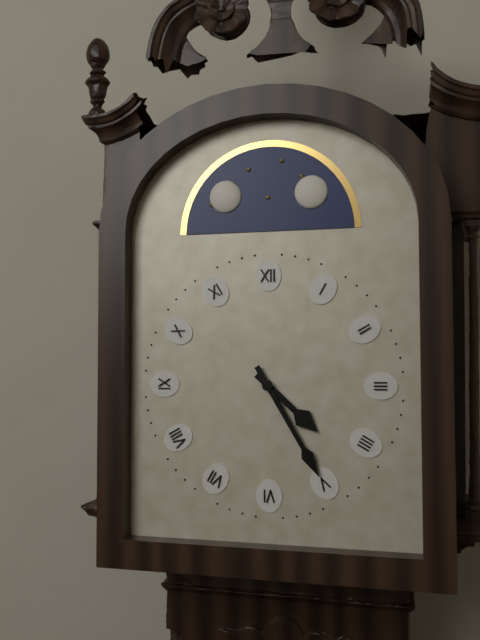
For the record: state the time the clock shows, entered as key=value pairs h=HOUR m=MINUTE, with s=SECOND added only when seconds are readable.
h=4 m=25
